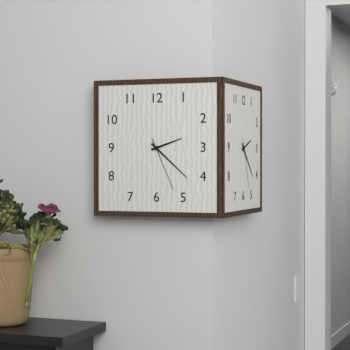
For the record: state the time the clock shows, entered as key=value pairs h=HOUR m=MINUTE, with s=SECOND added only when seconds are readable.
h=2 m=22 s=26
